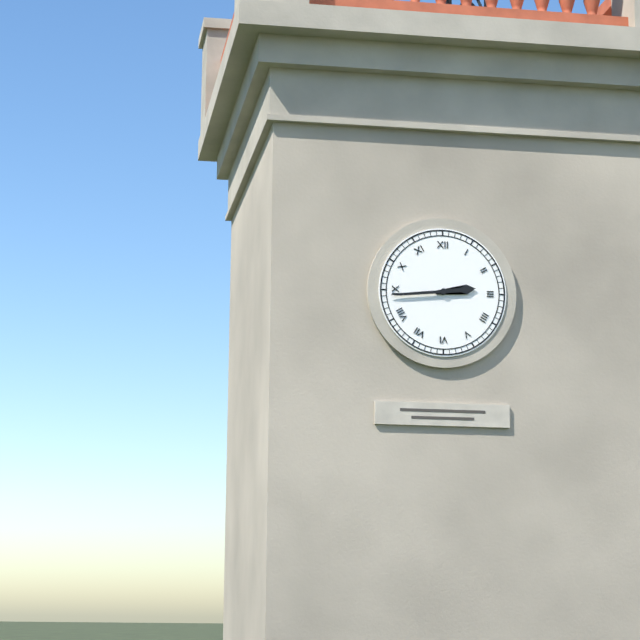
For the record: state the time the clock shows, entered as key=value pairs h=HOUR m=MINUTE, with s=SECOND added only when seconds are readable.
h=2 m=44
